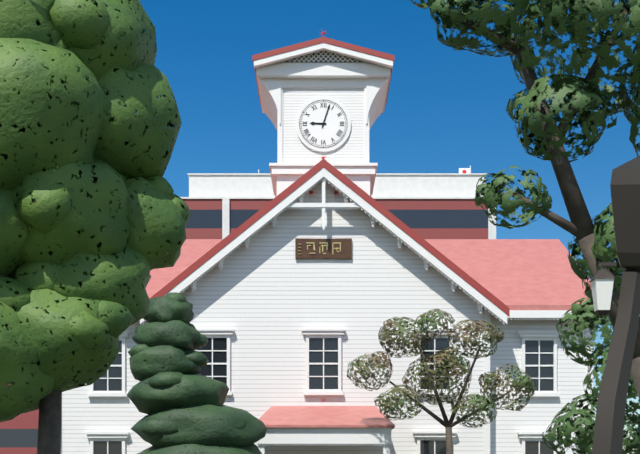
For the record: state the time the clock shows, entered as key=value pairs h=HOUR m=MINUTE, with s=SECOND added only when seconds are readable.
h=9 m=3
